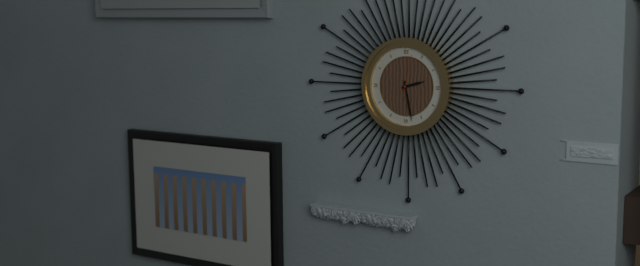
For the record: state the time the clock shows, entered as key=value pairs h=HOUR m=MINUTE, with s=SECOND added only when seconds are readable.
h=2 m=28
